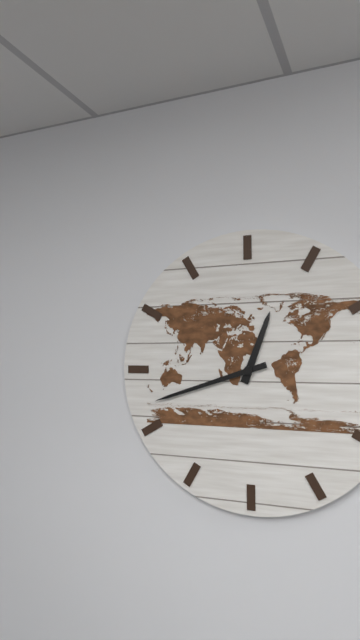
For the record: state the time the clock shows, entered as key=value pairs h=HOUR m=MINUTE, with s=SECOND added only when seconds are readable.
h=12 m=42
